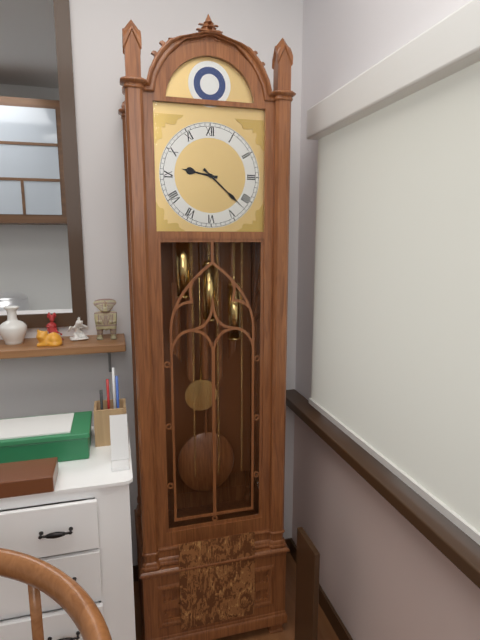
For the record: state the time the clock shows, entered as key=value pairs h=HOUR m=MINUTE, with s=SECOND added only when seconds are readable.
h=9 m=22
